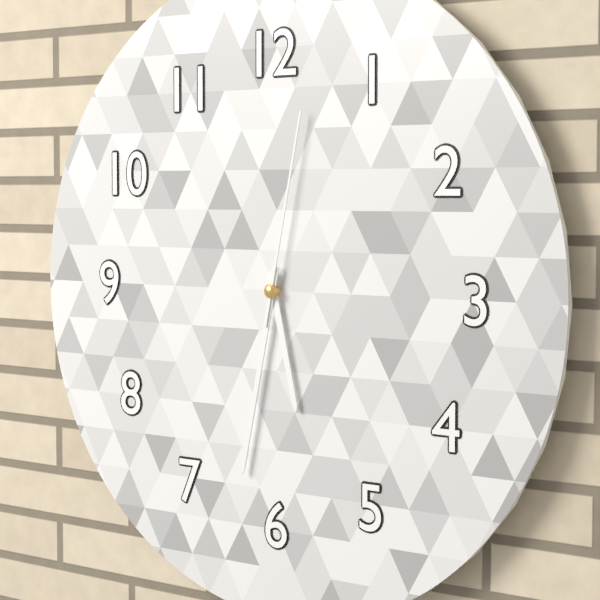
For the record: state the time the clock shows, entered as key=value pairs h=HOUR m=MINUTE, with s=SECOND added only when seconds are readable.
h=5 m=32 s=2
